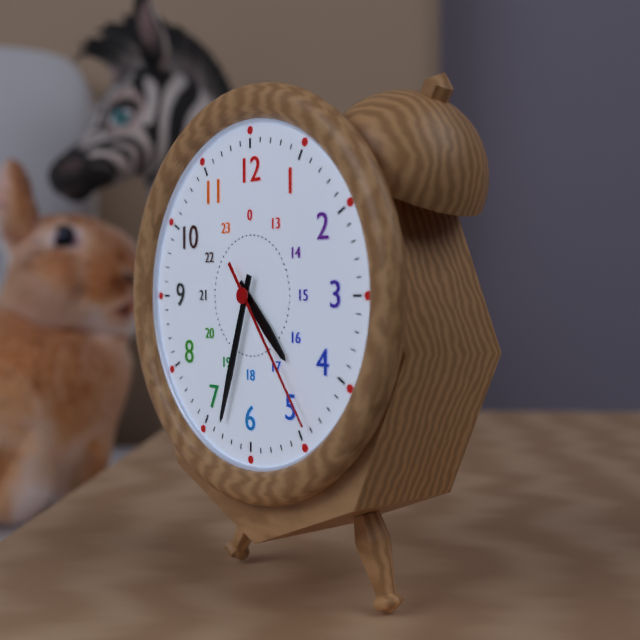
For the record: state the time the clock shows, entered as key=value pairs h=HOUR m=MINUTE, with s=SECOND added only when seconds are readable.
h=4 m=33 s=24
